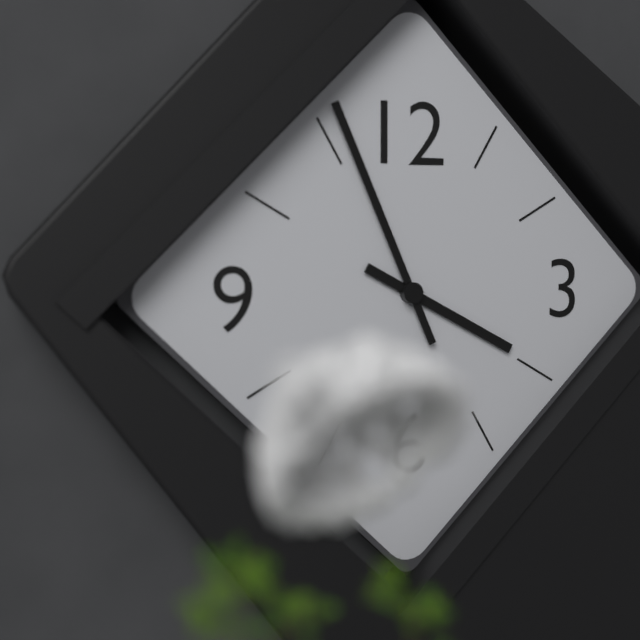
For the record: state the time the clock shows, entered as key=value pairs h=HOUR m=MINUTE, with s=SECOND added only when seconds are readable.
h=3 m=56
